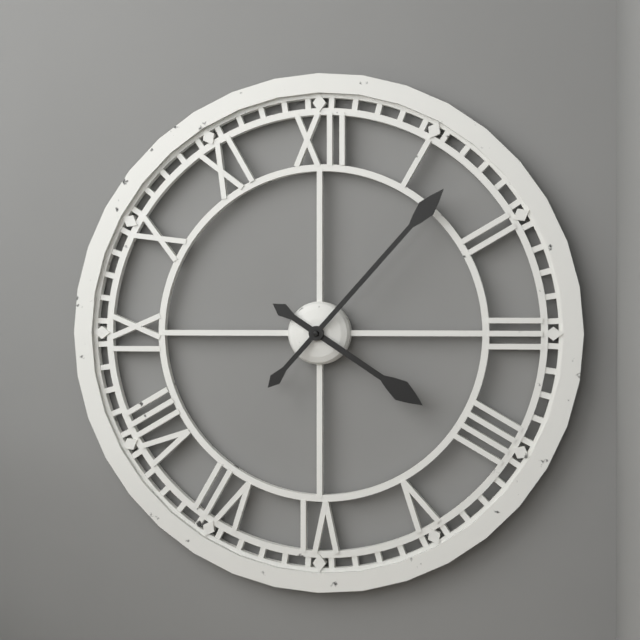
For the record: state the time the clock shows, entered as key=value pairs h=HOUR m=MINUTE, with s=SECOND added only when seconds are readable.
h=4 m=7
